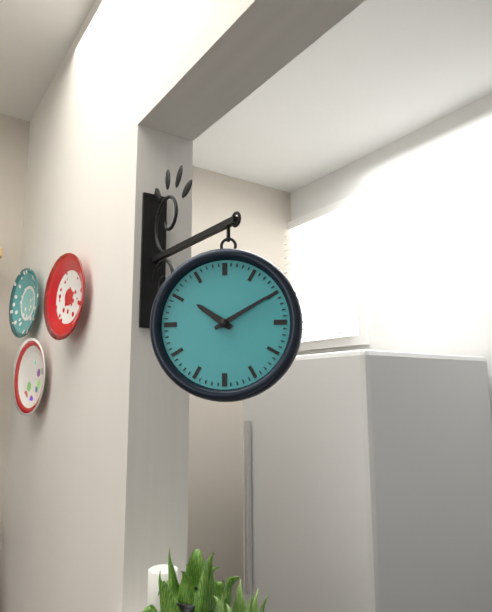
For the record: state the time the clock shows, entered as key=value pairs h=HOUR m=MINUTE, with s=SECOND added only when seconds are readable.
h=10 m=10
